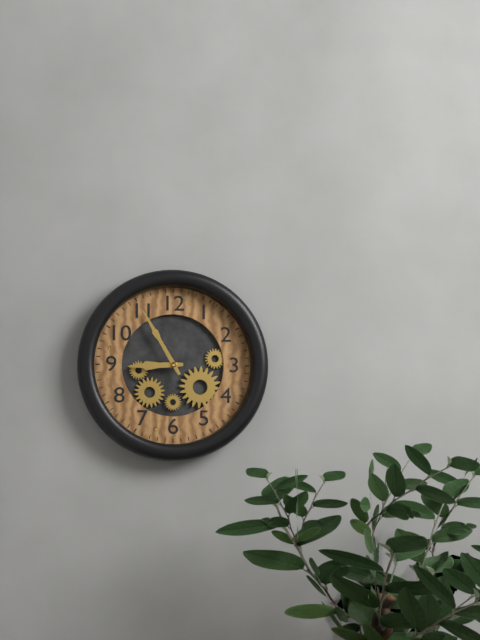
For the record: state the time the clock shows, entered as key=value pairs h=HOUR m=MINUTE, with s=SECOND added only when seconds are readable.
h=8 m=55
